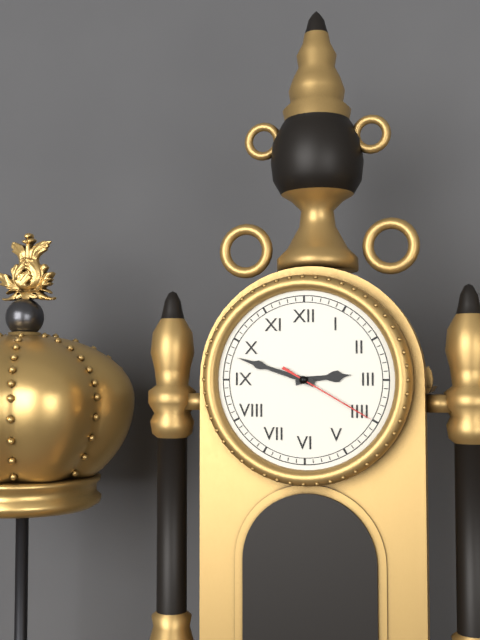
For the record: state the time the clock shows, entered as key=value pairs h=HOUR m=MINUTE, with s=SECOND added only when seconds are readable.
h=2 m=48 s=20
